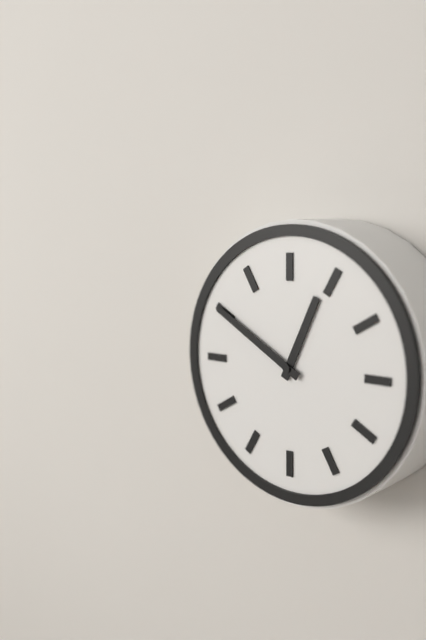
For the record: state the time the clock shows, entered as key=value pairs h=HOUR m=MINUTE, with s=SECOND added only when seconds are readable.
h=12 m=50
